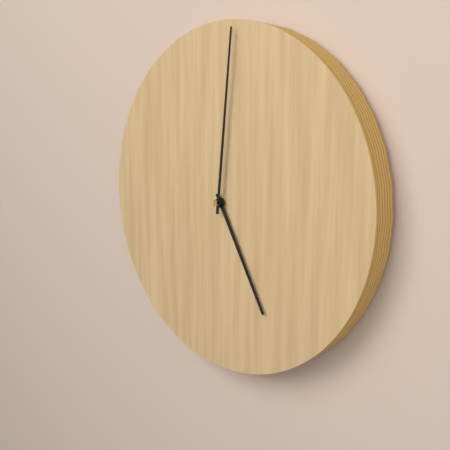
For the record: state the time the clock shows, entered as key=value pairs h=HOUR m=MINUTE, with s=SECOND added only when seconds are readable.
h=5 m=1
